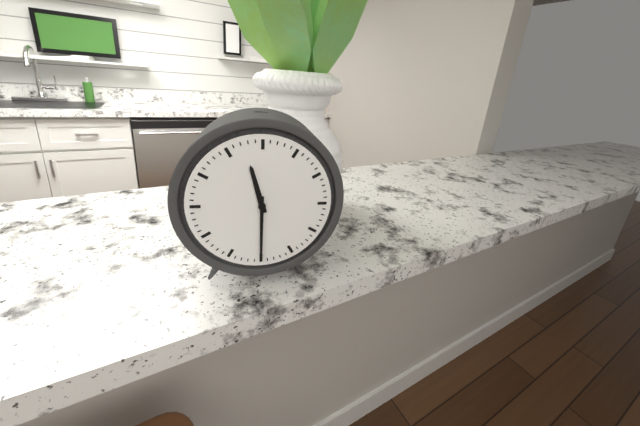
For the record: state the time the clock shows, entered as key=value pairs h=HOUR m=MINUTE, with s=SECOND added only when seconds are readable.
h=11 m=30
